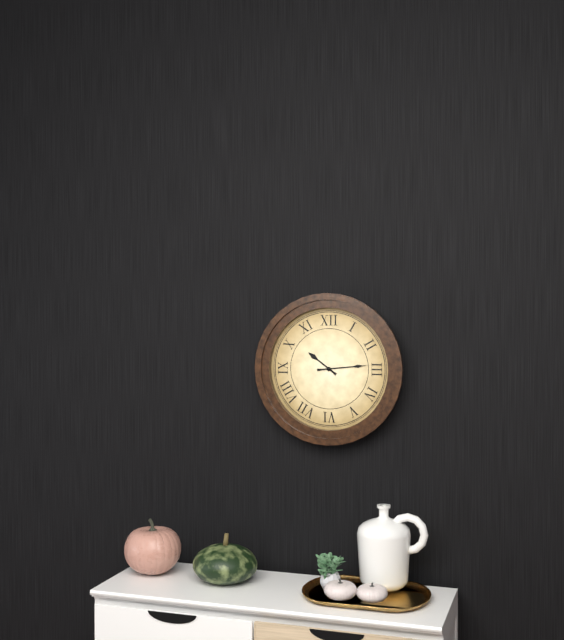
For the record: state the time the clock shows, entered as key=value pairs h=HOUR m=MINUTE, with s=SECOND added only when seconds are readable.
h=10 m=14
